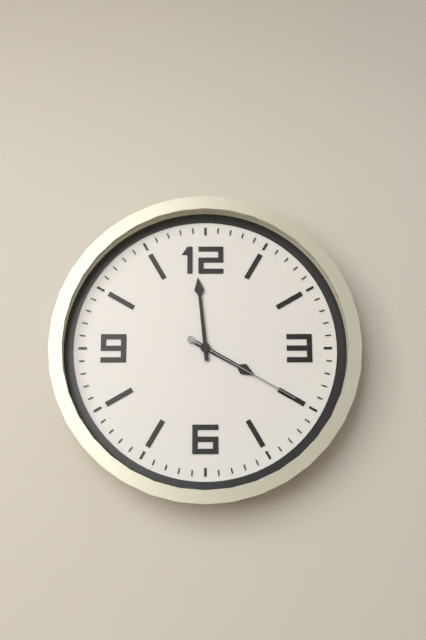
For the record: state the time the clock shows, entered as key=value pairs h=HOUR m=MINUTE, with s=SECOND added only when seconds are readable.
h=3 m=59 s=20
